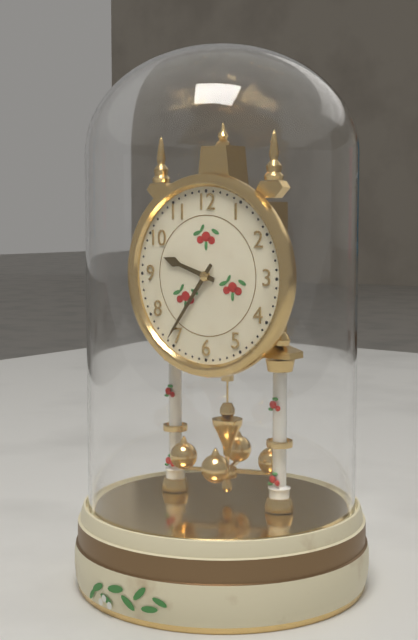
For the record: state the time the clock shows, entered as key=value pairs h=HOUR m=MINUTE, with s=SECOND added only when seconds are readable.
h=9 m=36
